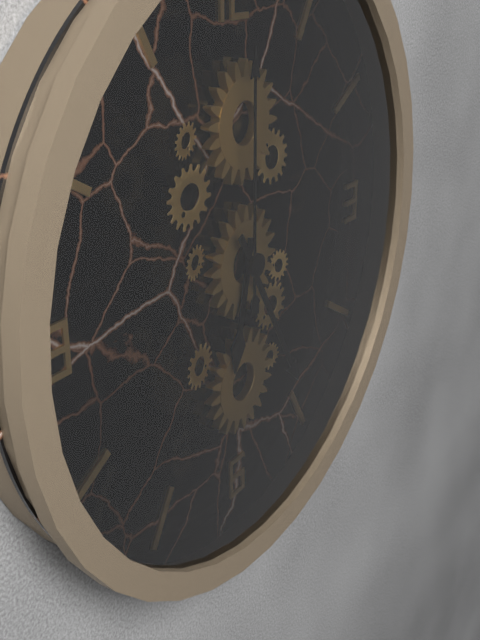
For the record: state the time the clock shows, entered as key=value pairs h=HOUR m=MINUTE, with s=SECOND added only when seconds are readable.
h=6 m=25 s=0
